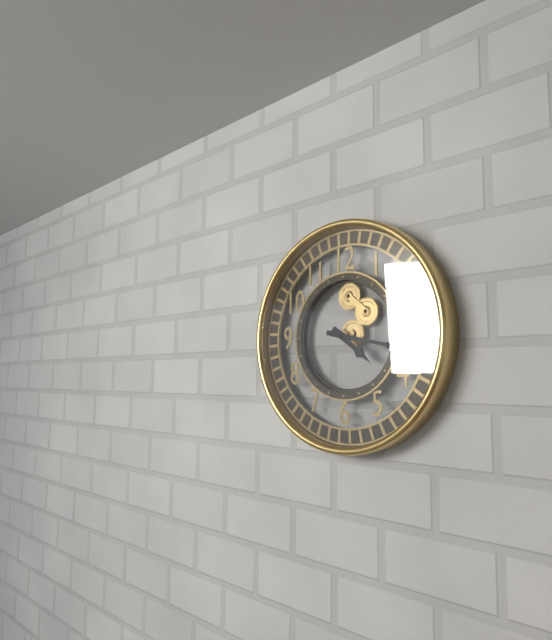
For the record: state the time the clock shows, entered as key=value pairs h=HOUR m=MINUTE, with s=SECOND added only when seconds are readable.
h=4 m=17
